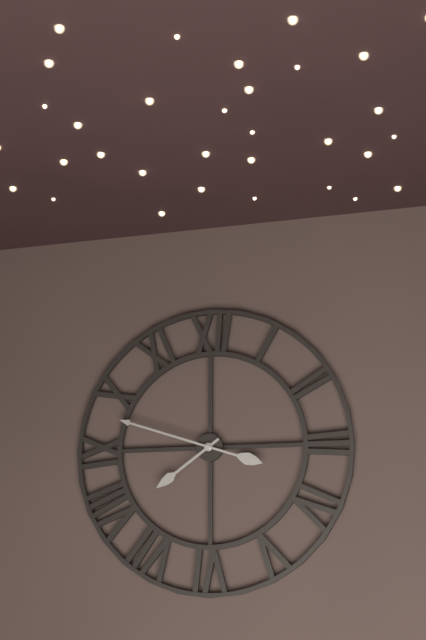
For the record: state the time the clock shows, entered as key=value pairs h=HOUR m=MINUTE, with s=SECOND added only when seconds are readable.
h=7 m=48
